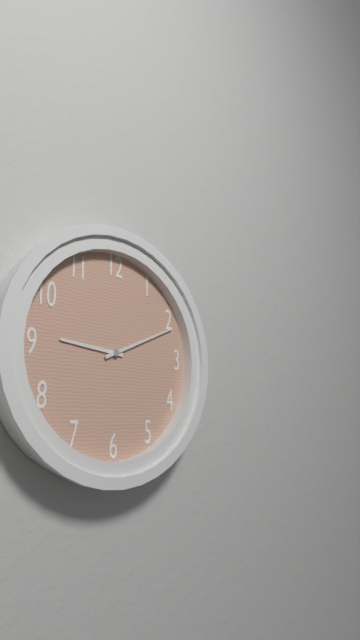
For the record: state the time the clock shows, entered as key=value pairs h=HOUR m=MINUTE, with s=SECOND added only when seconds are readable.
h=9 m=11
